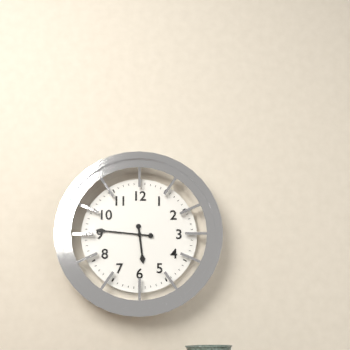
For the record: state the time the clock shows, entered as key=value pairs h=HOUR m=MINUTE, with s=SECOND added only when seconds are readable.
h=5 m=46
